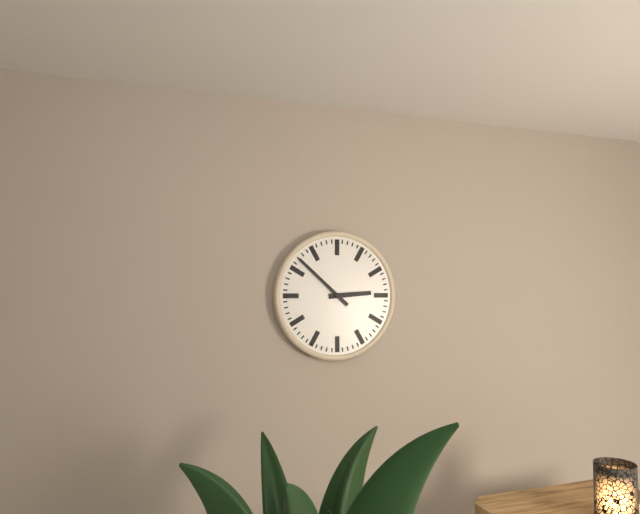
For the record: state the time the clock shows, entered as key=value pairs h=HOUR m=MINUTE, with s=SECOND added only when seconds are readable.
h=2 m=52
